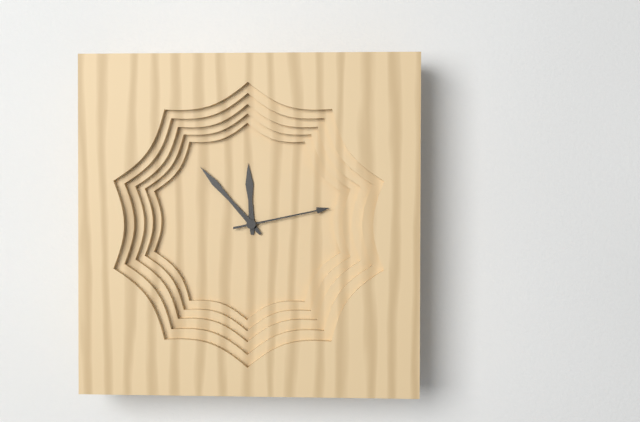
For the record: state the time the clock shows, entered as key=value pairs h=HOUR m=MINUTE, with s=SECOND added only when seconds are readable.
h=11 m=53 s=13
